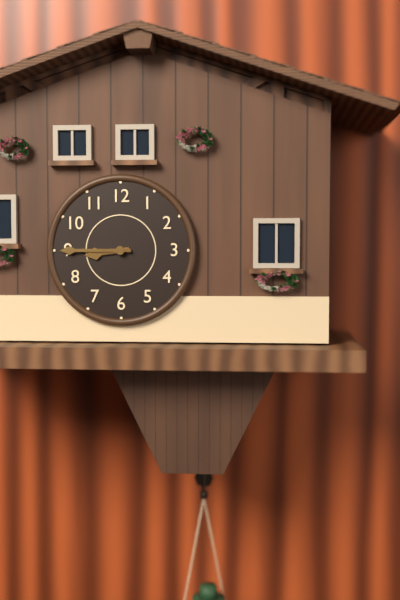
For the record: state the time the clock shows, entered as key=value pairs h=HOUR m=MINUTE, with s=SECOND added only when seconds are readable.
h=8 m=45
